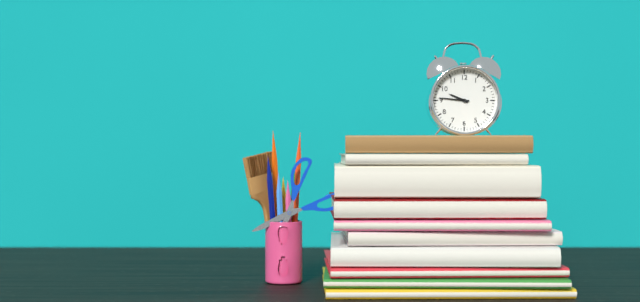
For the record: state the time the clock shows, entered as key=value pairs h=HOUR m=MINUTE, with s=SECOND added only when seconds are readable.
h=9 m=46
